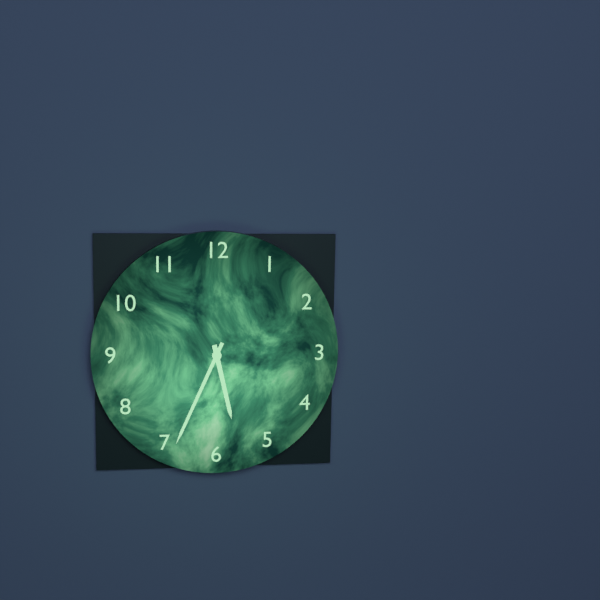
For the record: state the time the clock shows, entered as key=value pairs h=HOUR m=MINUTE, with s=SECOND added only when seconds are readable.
h=5 m=34
